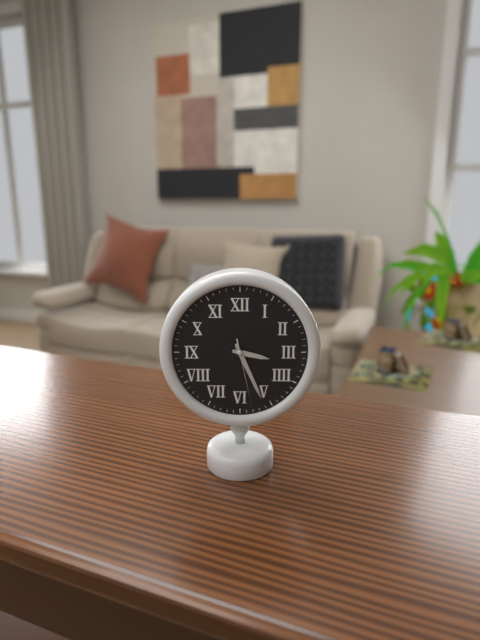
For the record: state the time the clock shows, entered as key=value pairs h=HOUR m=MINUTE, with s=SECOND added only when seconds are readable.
h=3 m=26 s=28
